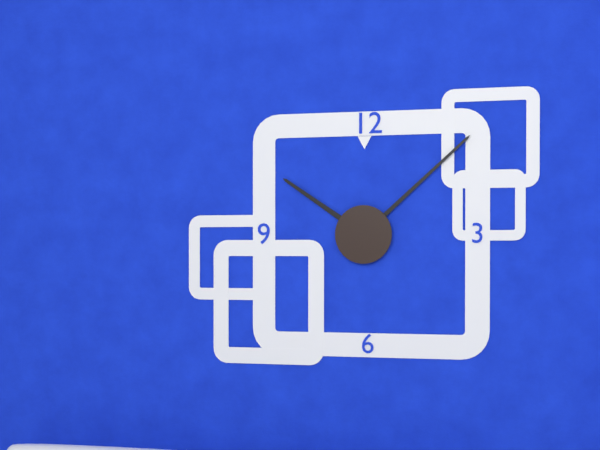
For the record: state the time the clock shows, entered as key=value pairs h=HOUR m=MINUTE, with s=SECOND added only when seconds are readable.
h=10 m=8
